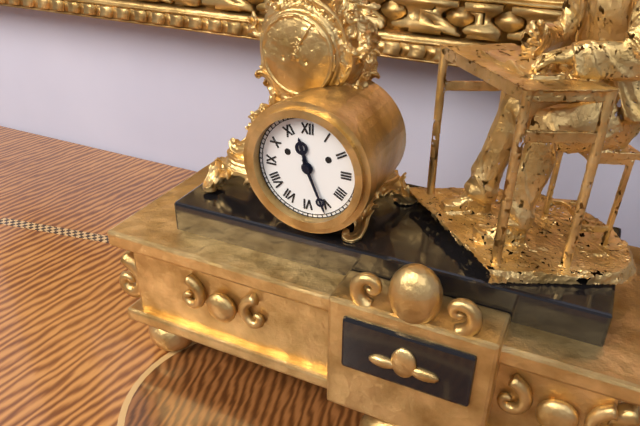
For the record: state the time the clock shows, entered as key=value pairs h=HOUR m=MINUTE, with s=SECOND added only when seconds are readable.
h=11 m=26
